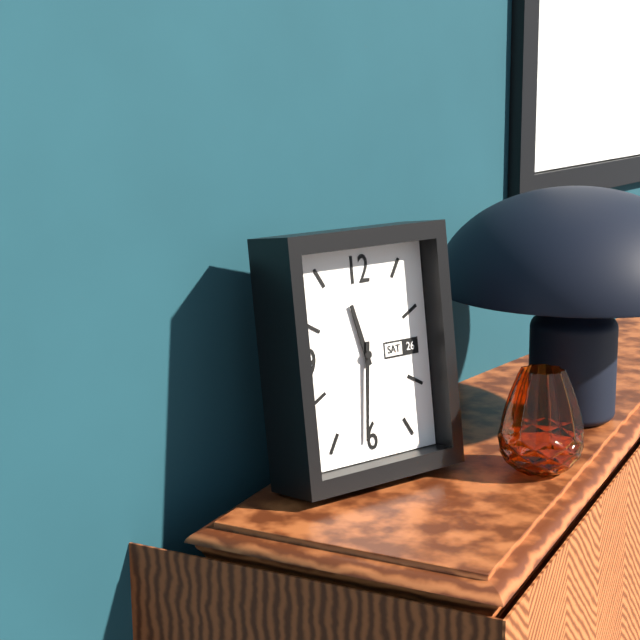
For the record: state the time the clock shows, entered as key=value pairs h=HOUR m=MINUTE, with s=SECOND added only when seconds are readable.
h=11 m=31
